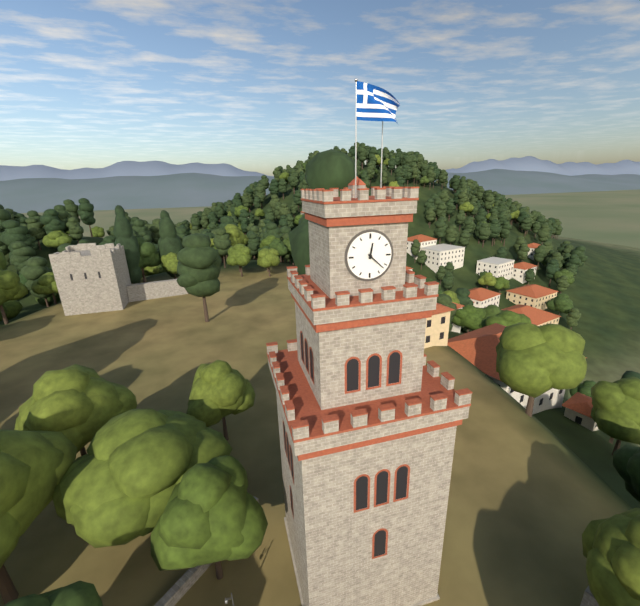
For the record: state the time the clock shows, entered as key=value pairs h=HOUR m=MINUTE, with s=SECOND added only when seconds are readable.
h=12 m=22
